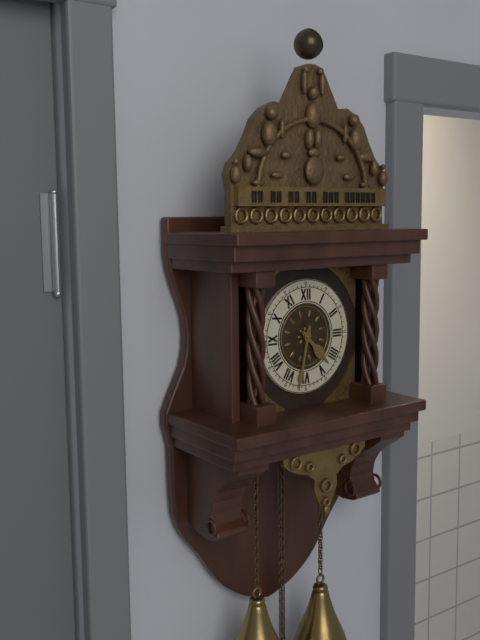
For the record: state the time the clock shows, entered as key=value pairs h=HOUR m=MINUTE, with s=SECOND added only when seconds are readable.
h=4 m=32
